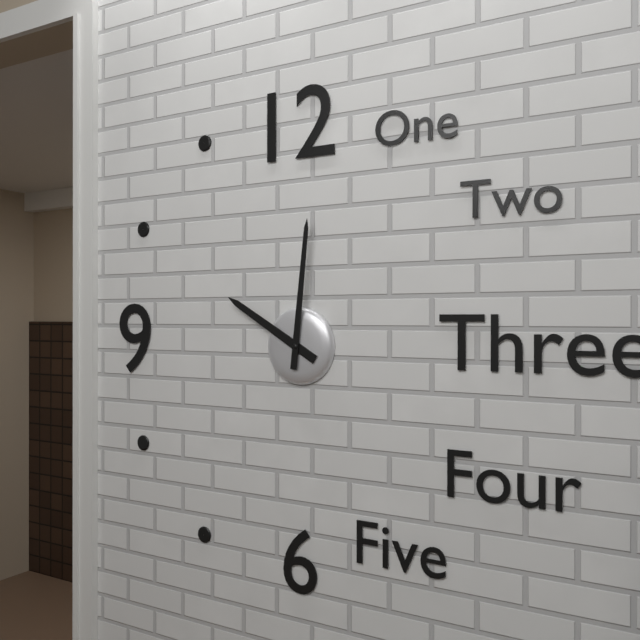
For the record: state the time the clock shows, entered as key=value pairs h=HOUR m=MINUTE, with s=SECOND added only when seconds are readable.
h=10 m=1
